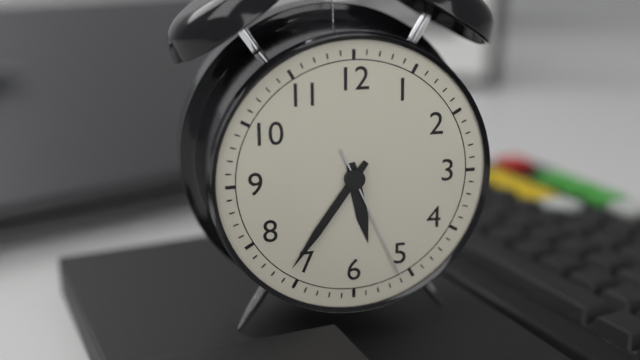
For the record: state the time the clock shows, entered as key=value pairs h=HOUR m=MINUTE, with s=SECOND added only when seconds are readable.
h=5 m=36 s=26
